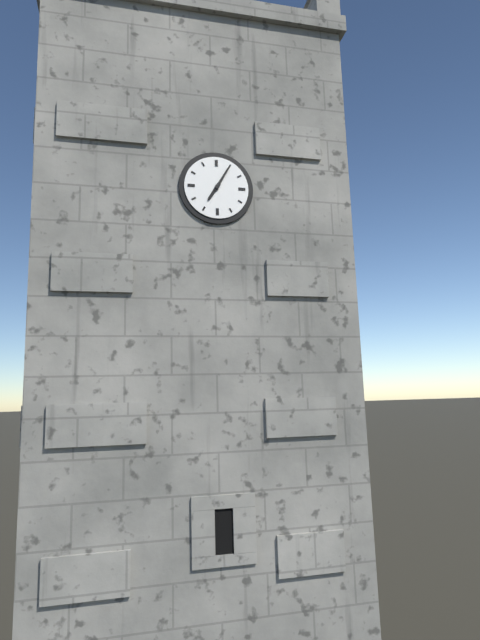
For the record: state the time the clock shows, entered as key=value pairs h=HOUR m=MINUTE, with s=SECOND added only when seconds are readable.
h=7 m=5
